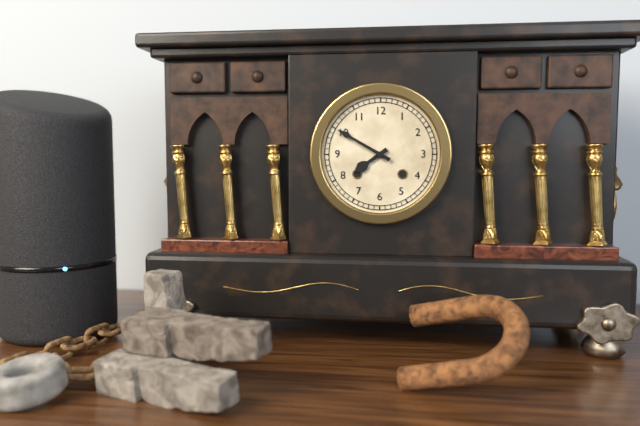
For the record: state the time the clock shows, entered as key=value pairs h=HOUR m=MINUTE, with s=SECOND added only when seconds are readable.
h=7 m=50
